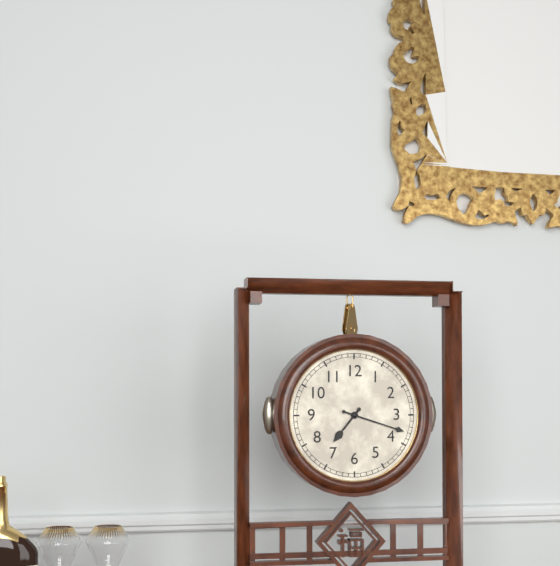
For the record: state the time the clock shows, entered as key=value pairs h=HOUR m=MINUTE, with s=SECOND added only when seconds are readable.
h=7 m=18
